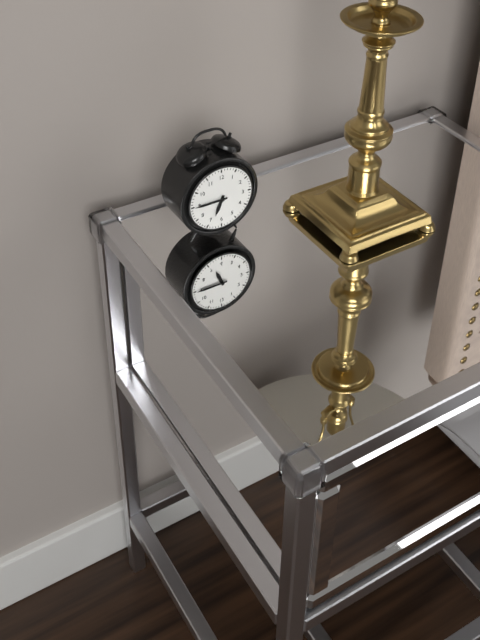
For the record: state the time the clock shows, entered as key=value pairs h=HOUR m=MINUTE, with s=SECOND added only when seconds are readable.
h=6 m=45
